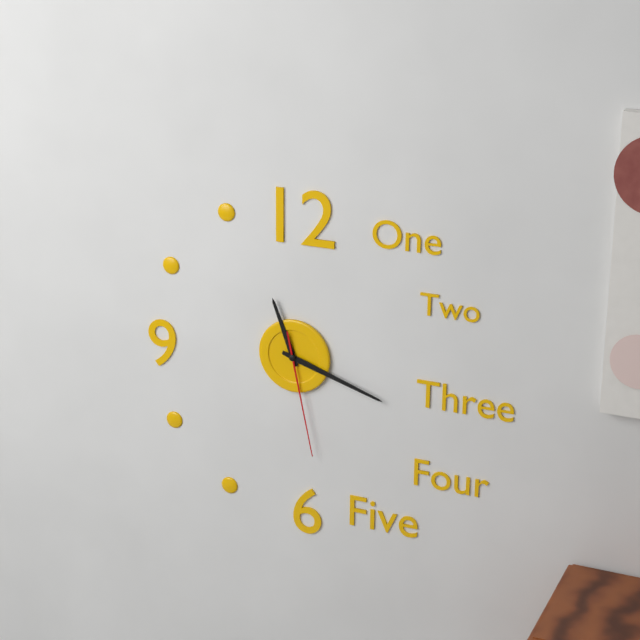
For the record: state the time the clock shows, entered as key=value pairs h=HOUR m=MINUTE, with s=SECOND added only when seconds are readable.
h=11 m=18 s=28
